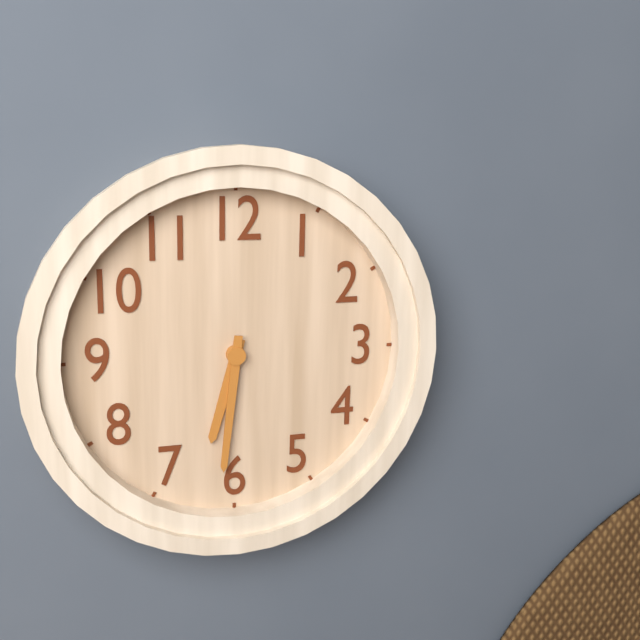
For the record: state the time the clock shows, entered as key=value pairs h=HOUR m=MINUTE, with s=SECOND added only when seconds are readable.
h=6 m=31
